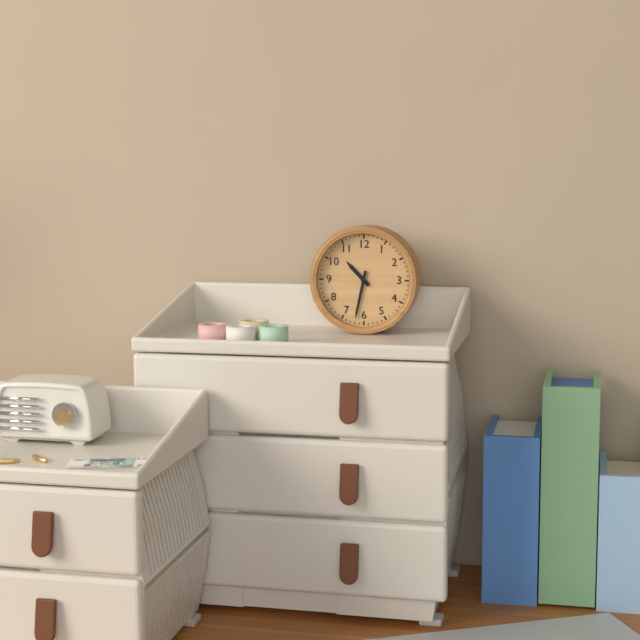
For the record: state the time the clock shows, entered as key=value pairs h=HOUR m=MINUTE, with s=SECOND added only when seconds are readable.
h=10 m=32
